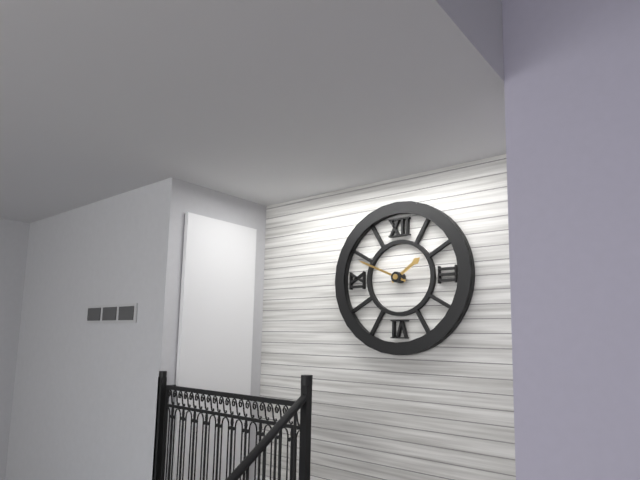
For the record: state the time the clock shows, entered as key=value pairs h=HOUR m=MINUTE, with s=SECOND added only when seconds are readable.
h=1 m=49
